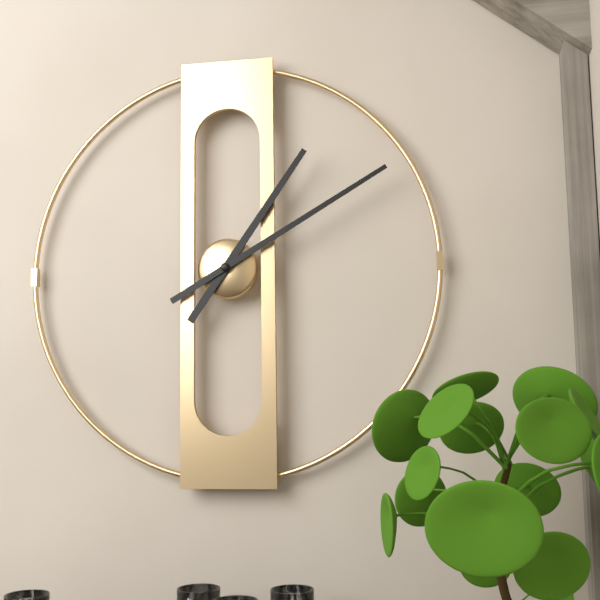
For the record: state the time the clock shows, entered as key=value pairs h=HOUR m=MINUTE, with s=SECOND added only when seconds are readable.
h=1 m=10
